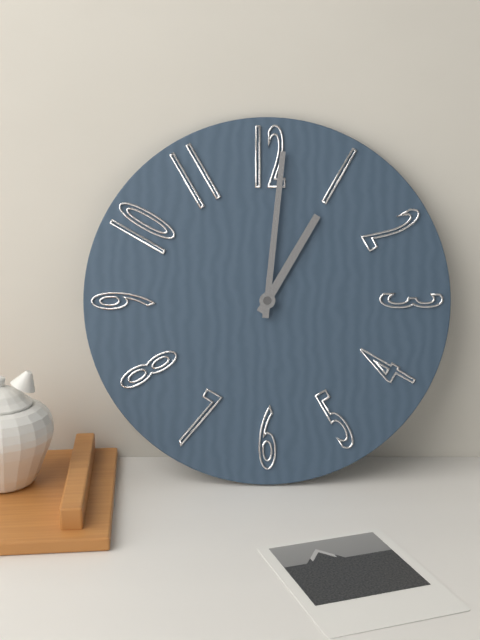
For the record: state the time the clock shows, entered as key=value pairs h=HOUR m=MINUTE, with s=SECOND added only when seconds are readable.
h=1 m=1
